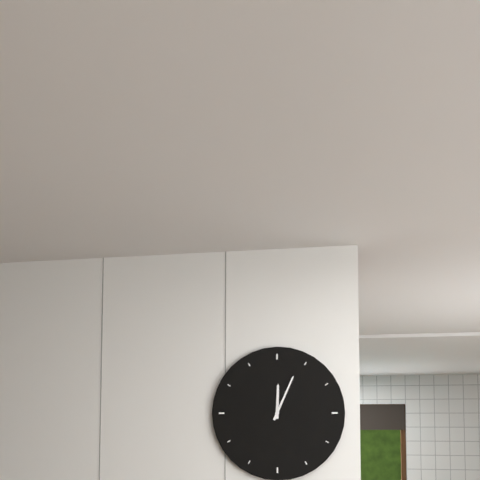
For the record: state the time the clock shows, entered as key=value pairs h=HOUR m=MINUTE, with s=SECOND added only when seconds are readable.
h=12 m=4
